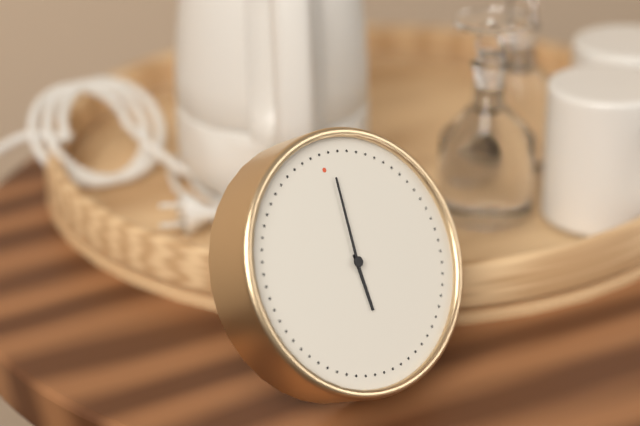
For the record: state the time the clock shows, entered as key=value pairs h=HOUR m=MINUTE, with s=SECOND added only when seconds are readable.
h=6 m=1
